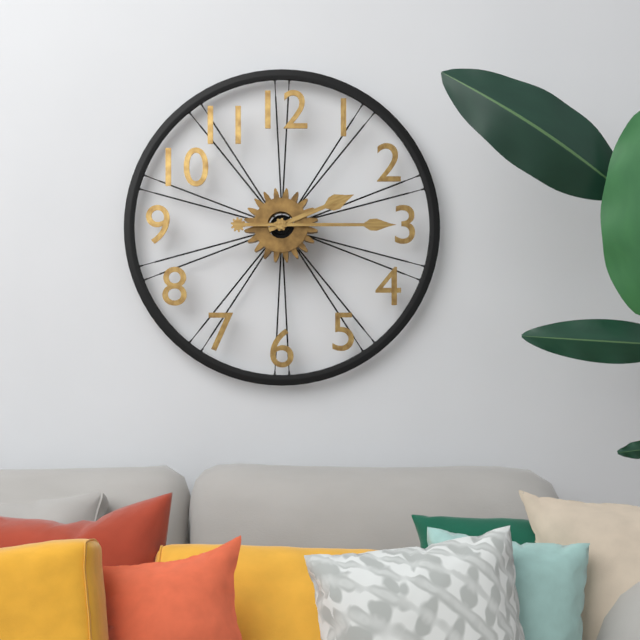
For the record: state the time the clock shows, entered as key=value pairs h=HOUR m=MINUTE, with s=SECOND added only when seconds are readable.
h=2 m=15
